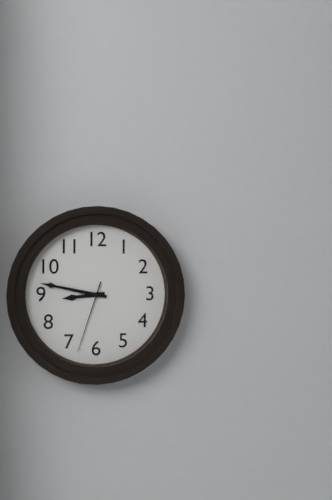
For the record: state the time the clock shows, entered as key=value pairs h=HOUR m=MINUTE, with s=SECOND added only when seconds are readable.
h=8 m=47 s=33
